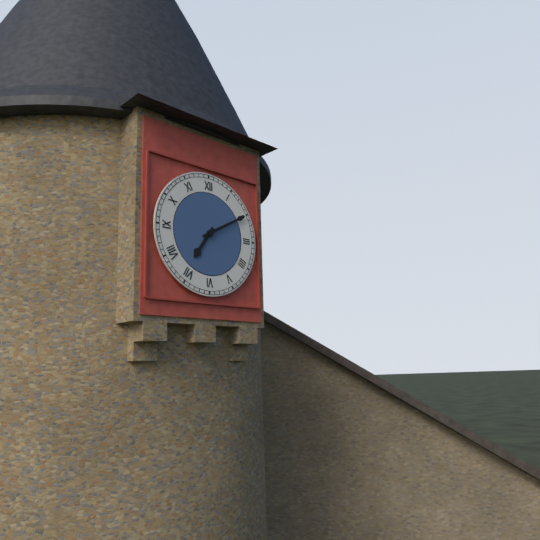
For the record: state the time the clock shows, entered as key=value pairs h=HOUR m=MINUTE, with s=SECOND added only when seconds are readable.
h=7 m=10
